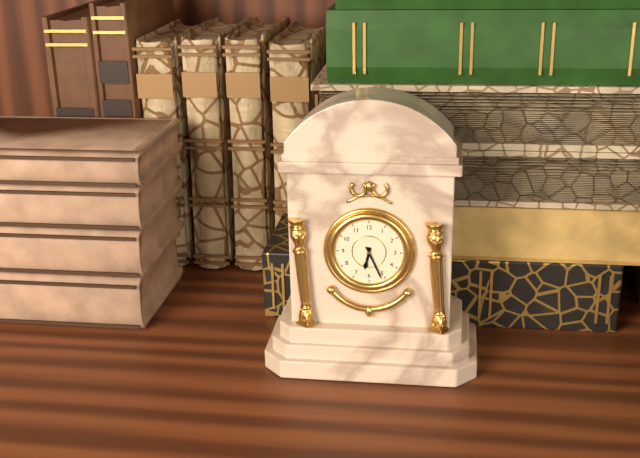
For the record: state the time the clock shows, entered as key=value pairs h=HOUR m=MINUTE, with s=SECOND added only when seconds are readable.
h=6 m=26
